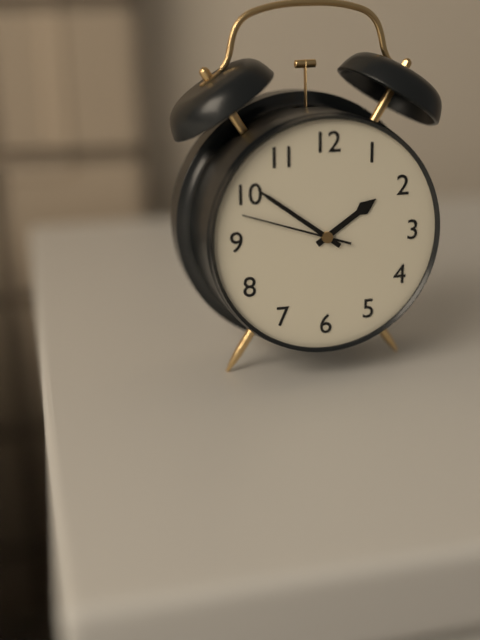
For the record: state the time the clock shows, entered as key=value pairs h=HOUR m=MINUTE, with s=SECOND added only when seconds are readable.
h=1 m=51 s=48
